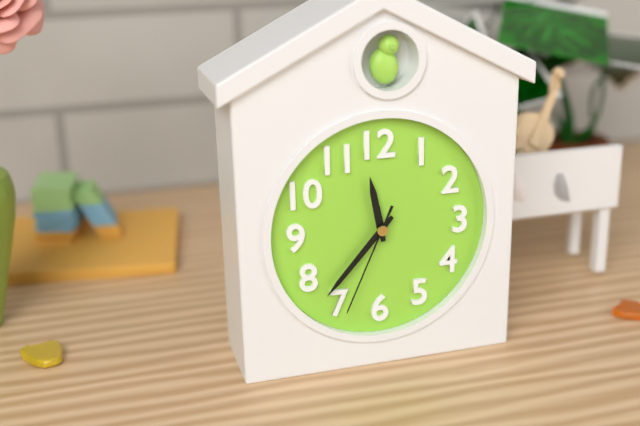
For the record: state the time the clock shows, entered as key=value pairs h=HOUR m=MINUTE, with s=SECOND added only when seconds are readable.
h=11 m=37 s=34
